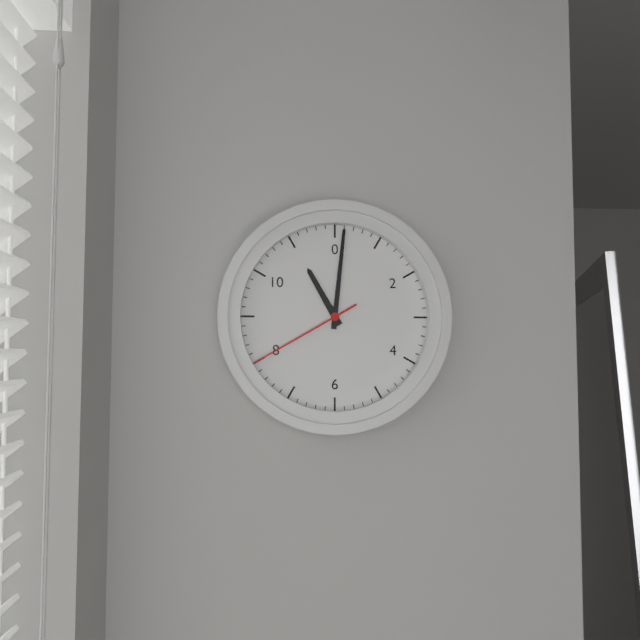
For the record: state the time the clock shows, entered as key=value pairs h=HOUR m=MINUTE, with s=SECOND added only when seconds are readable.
h=11 m=1 s=40
